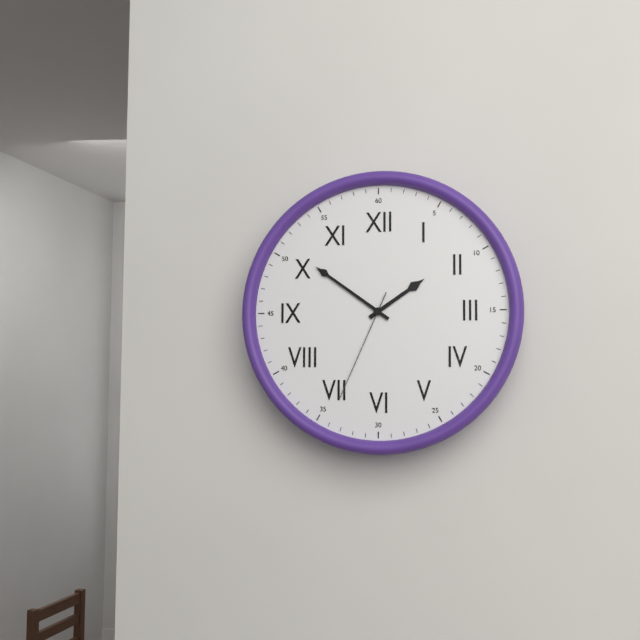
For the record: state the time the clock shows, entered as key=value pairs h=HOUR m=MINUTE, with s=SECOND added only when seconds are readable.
h=1 m=51 s=34
